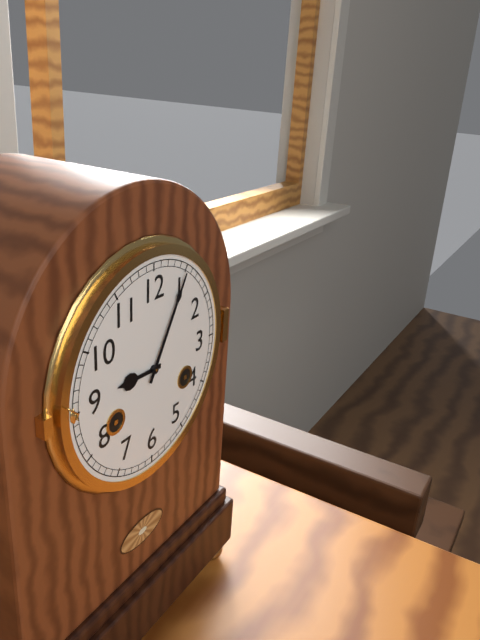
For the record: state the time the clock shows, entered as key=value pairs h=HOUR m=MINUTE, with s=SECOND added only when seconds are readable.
h=9 m=5
